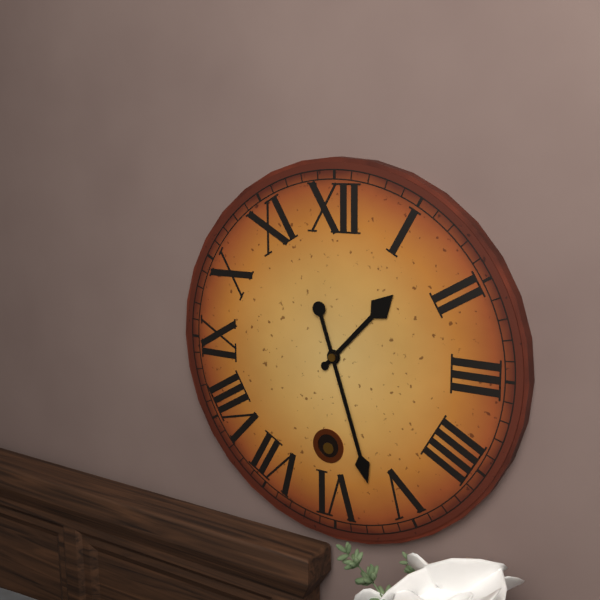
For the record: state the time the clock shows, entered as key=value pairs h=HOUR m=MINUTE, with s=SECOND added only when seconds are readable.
h=1 m=27
